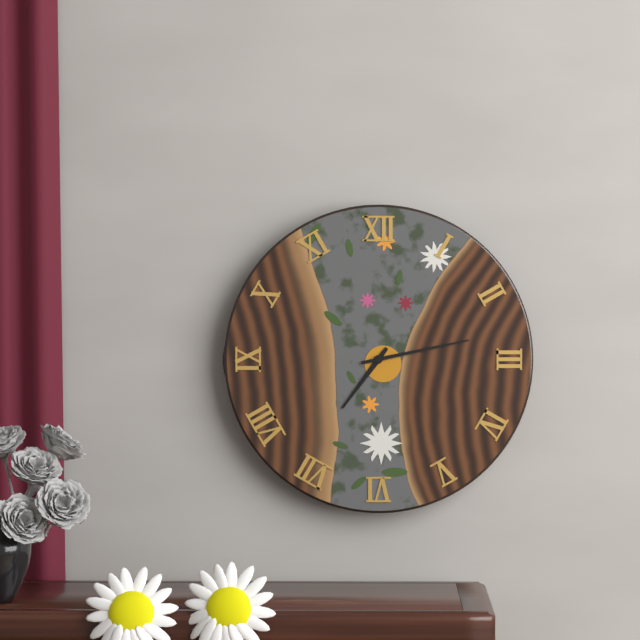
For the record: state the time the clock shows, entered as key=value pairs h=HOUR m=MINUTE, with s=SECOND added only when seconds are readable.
h=7 m=13
